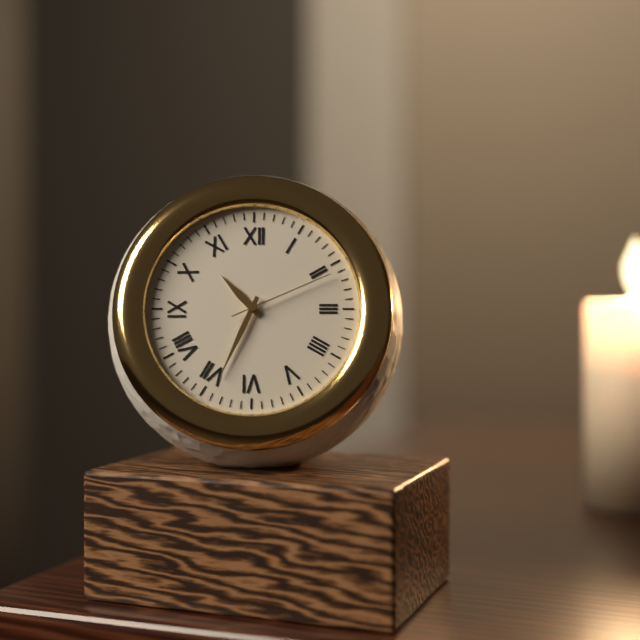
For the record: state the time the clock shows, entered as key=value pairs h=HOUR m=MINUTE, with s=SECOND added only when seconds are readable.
h=10 m=34 s=11
